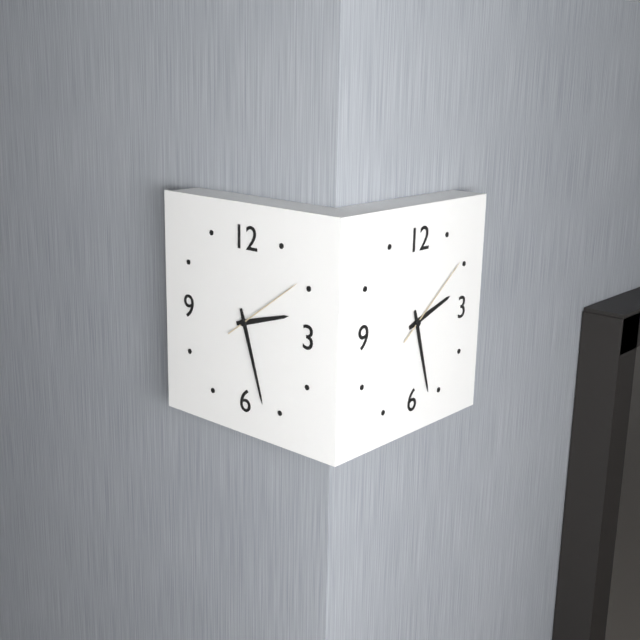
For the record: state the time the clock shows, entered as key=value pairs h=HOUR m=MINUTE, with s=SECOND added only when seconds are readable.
h=2 m=27 s=9
